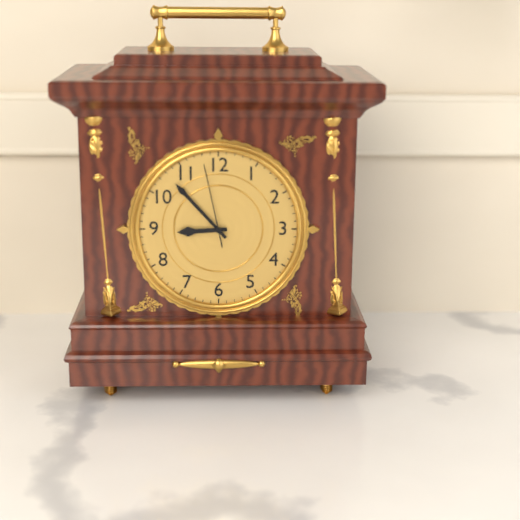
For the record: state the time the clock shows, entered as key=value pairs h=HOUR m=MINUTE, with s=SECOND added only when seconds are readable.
h=8 m=53 s=58
